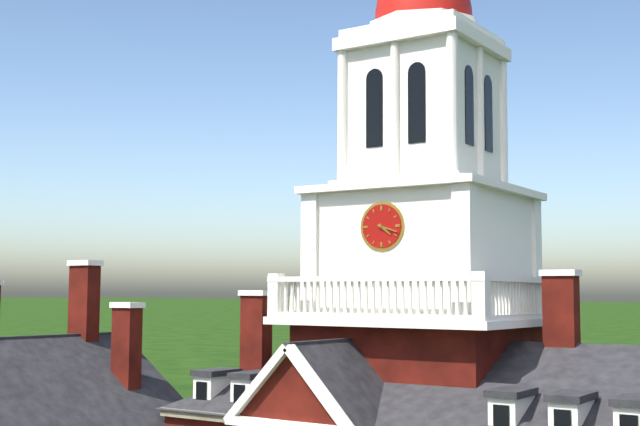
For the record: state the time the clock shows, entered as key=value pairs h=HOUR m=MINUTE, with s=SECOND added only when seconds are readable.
h=4 m=18
